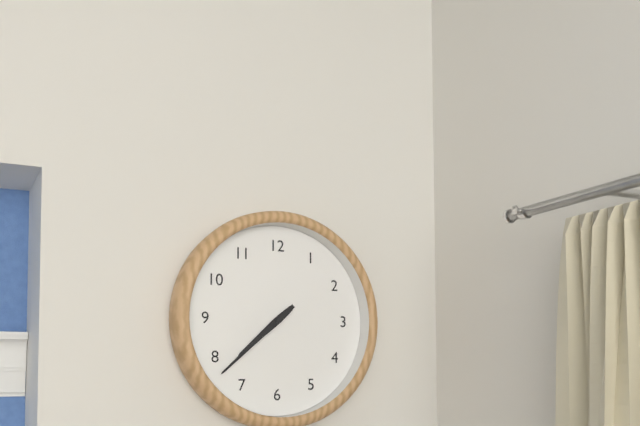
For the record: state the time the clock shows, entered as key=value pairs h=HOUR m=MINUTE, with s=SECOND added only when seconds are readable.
h=7 m=38
